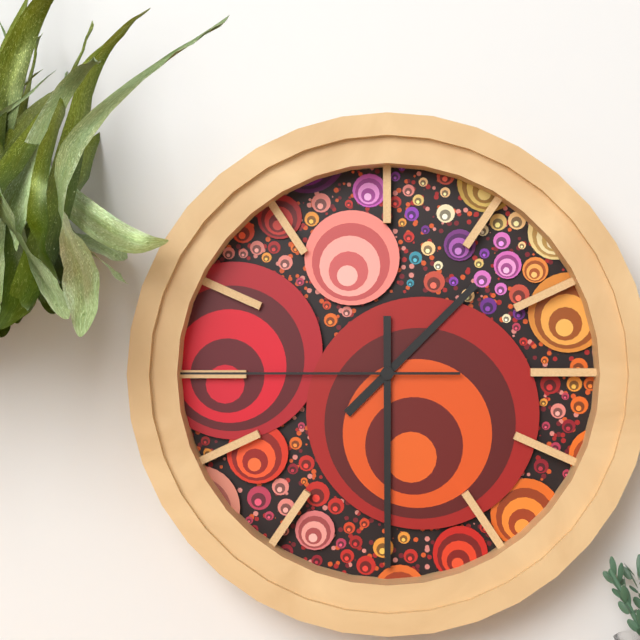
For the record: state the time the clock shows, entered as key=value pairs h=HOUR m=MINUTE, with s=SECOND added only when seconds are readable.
h=1 m=30 s=45
